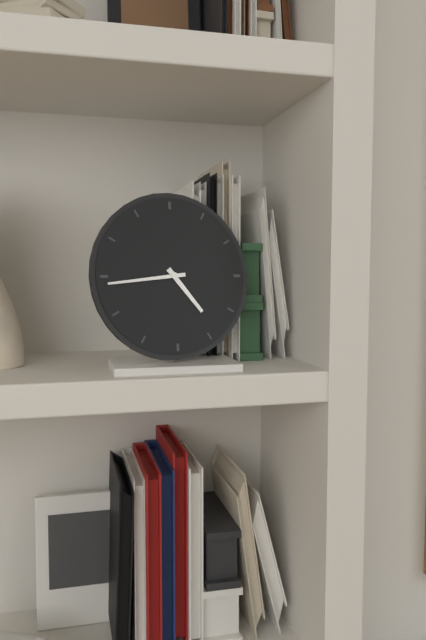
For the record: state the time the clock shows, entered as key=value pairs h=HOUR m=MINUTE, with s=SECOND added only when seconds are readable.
h=4 m=44
